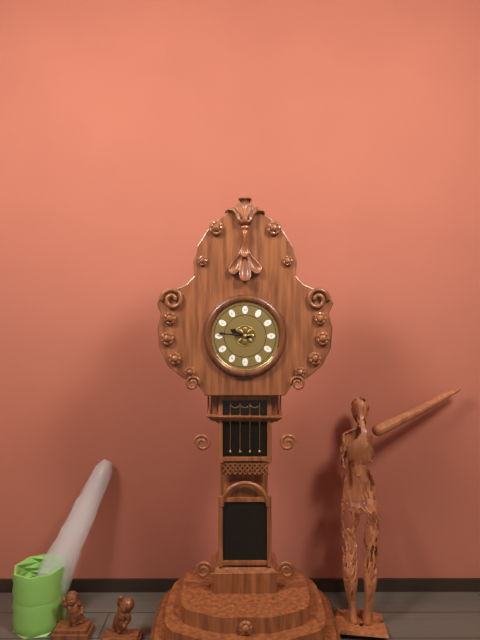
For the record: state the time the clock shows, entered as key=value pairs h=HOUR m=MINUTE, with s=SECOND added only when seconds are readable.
h=9 m=46
